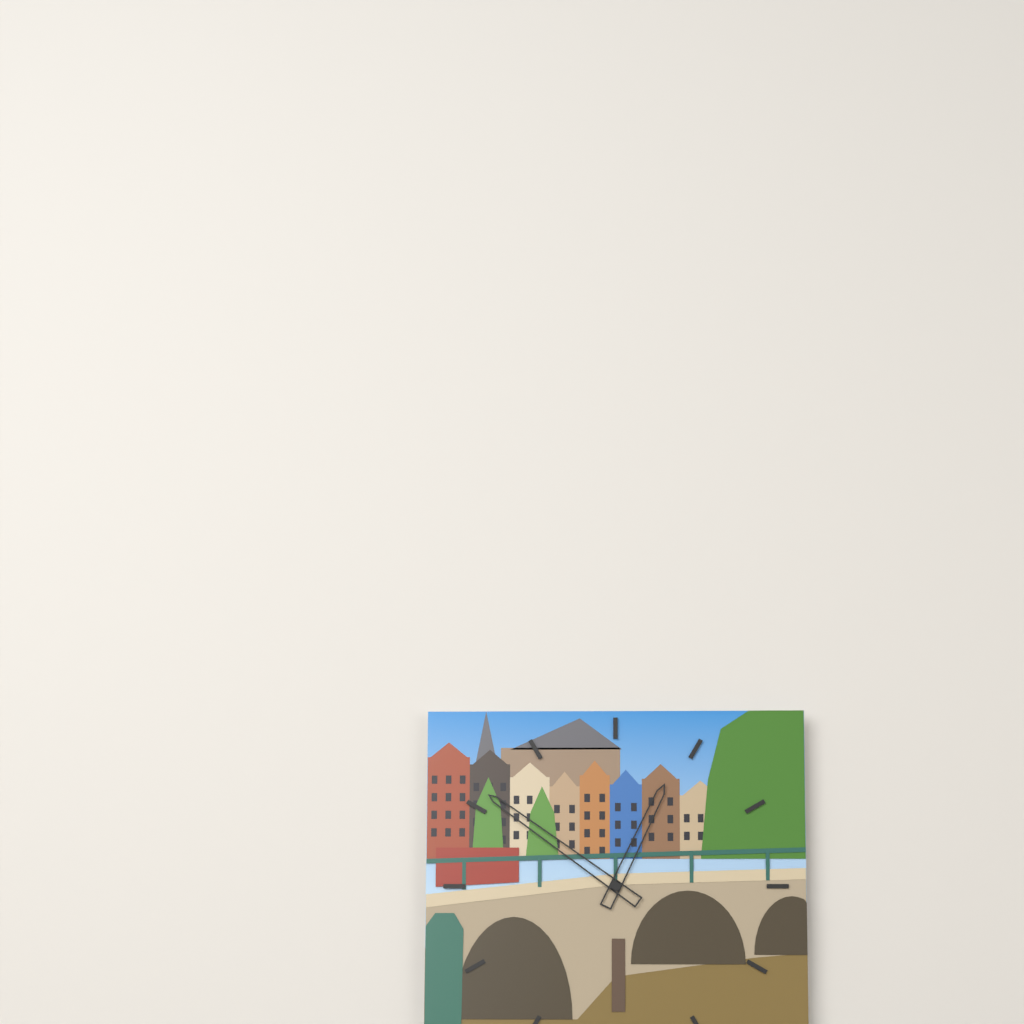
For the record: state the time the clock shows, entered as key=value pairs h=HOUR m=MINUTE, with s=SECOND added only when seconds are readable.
h=12 m=51
